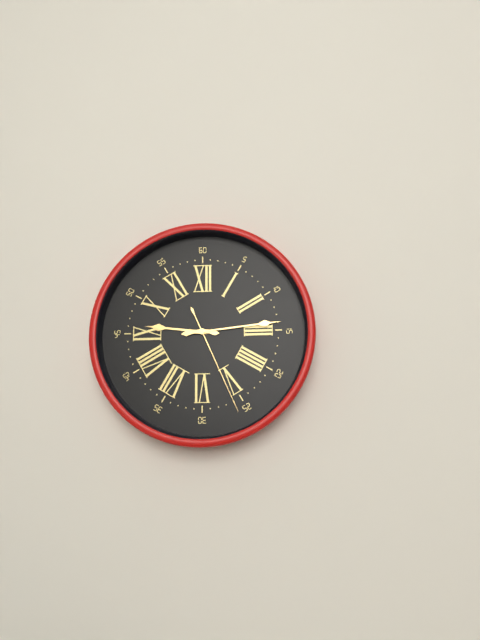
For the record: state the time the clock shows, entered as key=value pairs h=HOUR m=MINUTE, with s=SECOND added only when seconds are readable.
h=9 m=14 s=26
